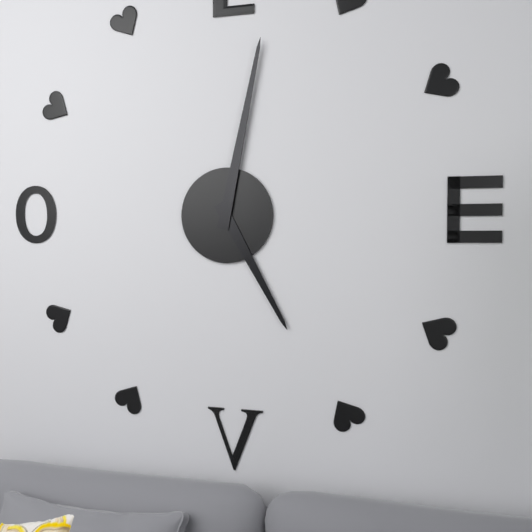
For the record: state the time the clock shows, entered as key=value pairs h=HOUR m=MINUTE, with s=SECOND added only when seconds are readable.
h=5 m=2
